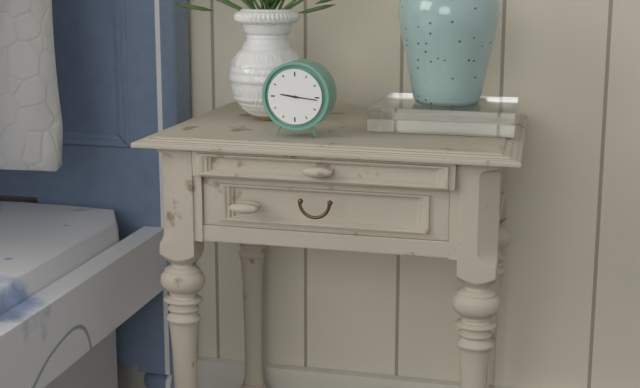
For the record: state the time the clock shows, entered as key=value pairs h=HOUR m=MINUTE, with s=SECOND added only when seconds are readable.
h=9 m=16
